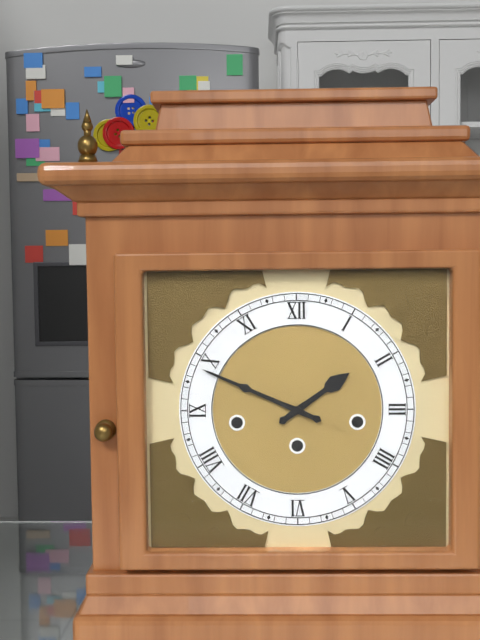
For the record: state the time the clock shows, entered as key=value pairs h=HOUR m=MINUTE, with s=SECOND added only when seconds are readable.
h=1 m=49
